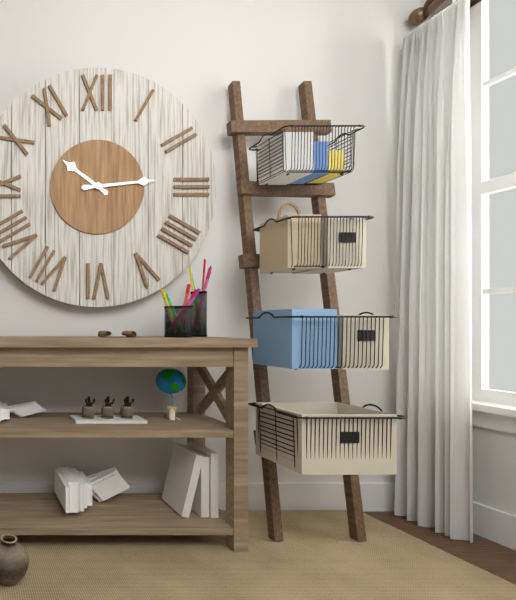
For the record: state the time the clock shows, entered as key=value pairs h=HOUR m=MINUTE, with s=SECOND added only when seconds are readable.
h=10 m=14
